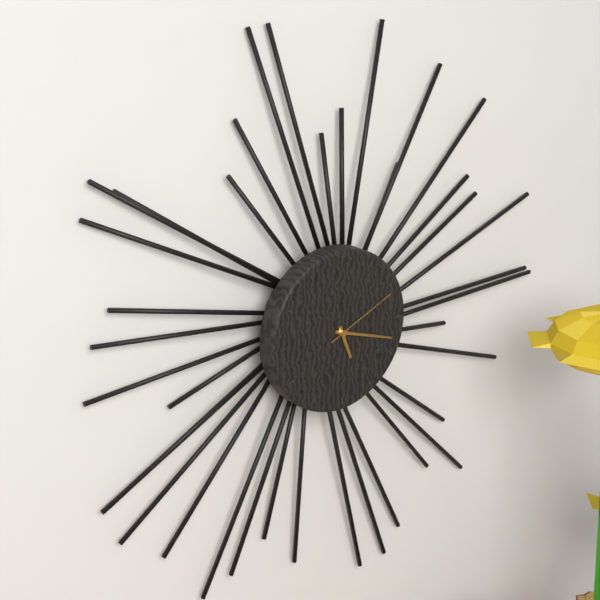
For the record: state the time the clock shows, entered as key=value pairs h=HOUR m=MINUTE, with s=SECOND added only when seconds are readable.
h=5 m=18 s=11
